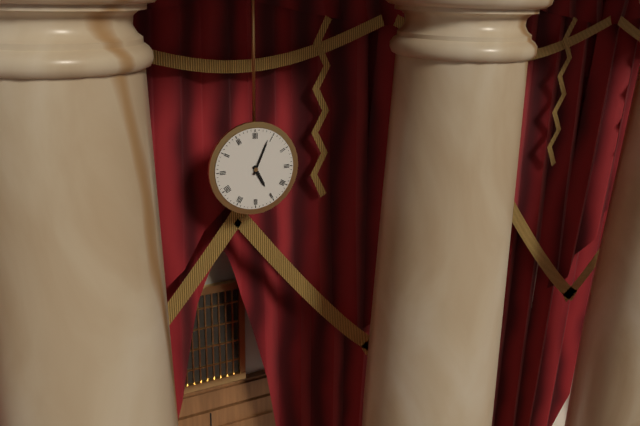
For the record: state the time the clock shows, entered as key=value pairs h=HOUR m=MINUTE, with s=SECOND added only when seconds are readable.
h=5 m=4
